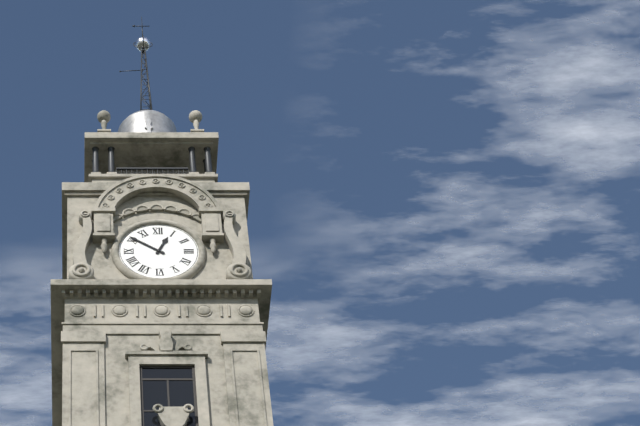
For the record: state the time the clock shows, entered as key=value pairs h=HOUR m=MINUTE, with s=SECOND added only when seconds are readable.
h=12 m=51
